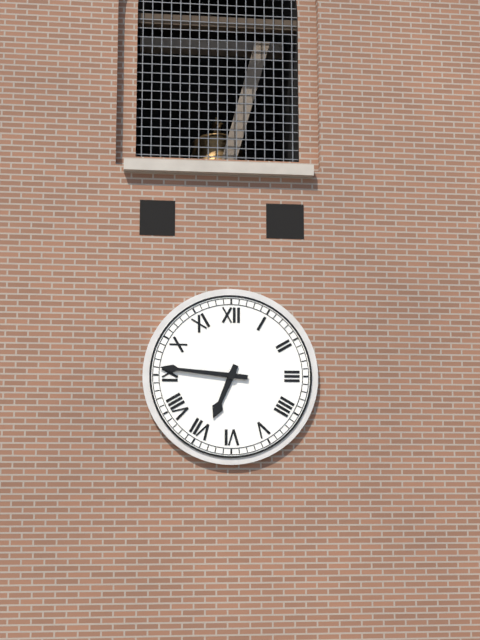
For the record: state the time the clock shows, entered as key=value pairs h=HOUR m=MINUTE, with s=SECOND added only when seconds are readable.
h=6 m=46
